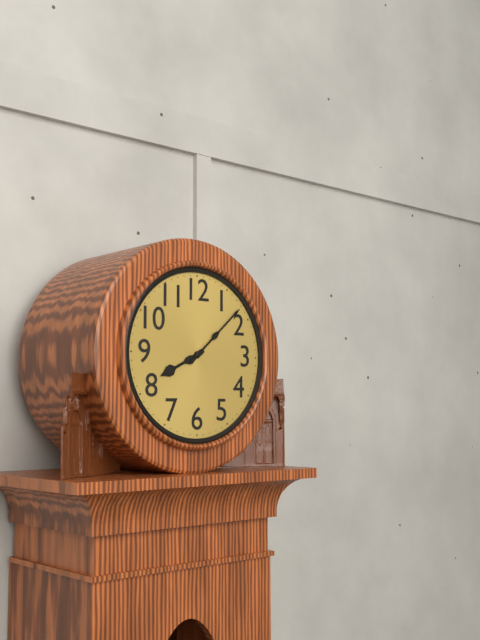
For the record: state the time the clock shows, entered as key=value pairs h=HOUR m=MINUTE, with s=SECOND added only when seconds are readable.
h=8 m=8
